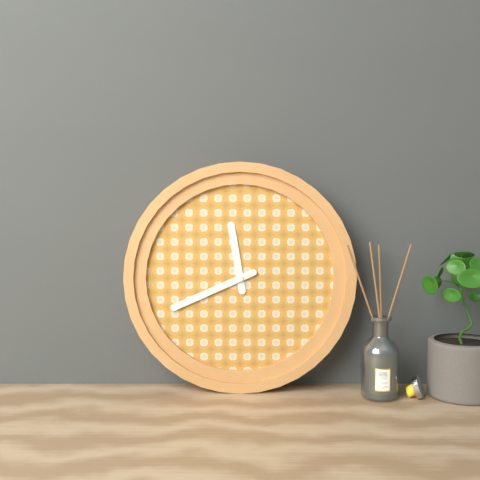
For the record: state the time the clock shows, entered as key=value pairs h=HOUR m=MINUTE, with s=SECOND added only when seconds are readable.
h=11 m=41
